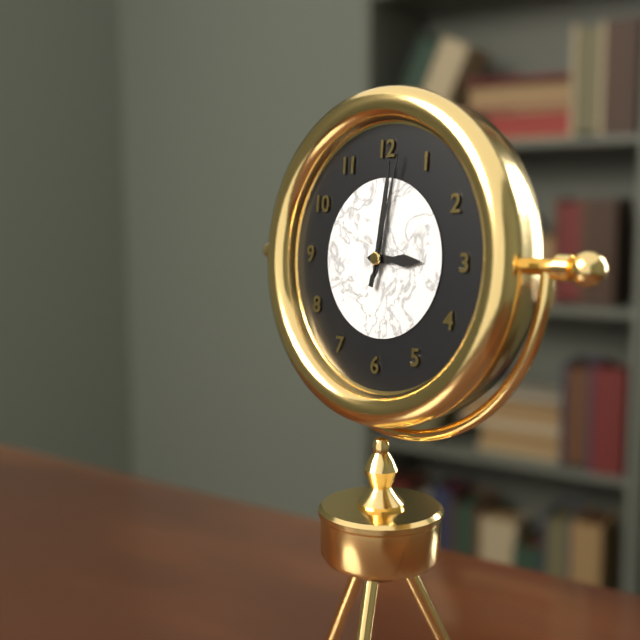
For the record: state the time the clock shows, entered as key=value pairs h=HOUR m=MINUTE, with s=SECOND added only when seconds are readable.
h=3 m=1 s=2
